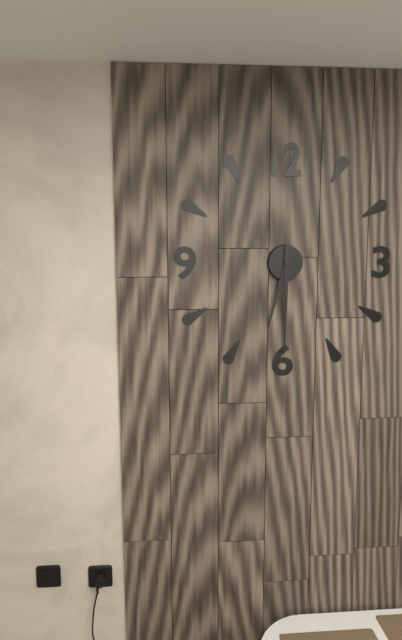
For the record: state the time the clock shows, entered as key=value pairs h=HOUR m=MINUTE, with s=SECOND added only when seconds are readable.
h=6 m=30
